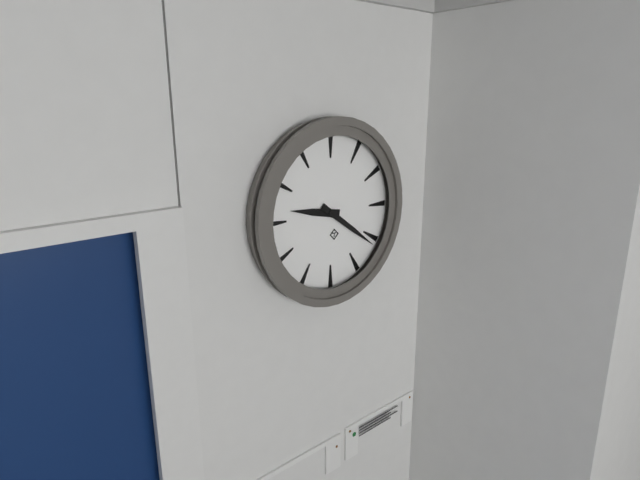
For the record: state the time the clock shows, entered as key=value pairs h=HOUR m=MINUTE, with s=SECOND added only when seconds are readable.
h=9 m=21
